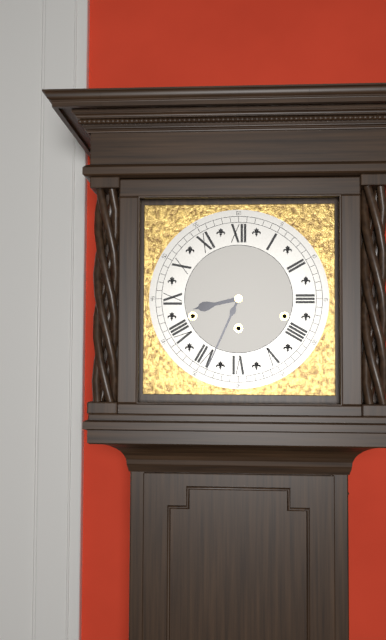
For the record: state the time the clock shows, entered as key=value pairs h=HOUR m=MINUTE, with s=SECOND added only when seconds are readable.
h=8 m=34
